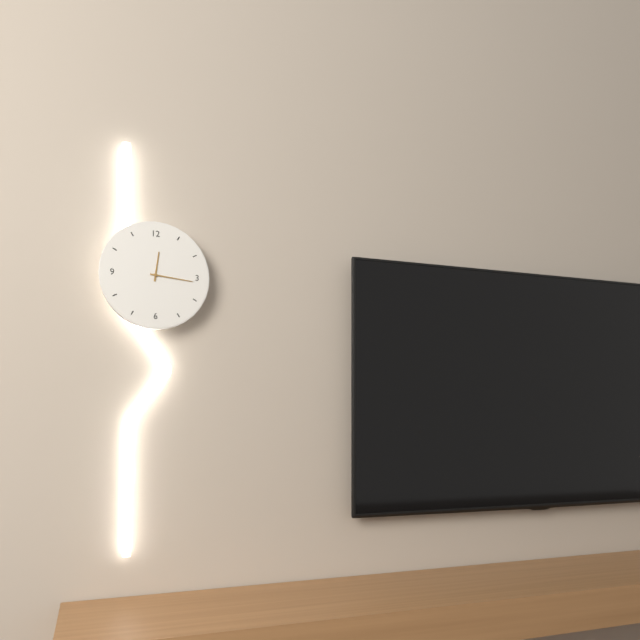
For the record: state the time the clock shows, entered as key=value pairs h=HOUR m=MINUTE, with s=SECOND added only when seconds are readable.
h=12 m=16
